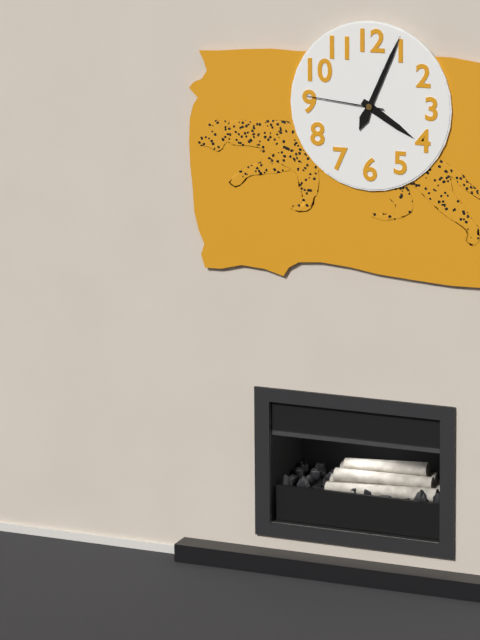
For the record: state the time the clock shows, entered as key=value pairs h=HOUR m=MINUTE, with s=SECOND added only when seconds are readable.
h=4 m=4 s=46
